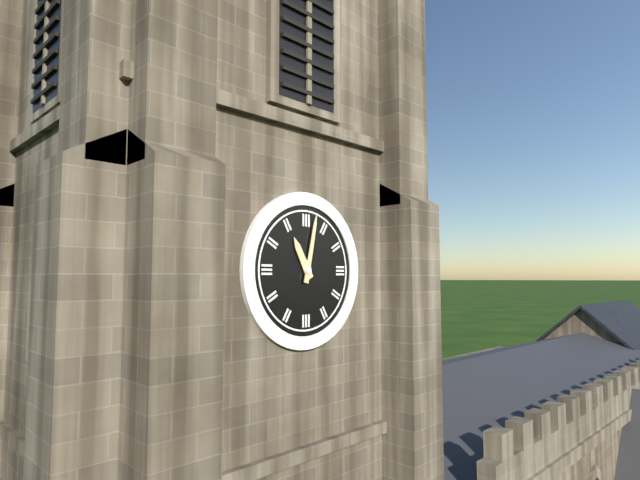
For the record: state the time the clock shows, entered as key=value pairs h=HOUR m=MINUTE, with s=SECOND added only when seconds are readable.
h=11 m=2
